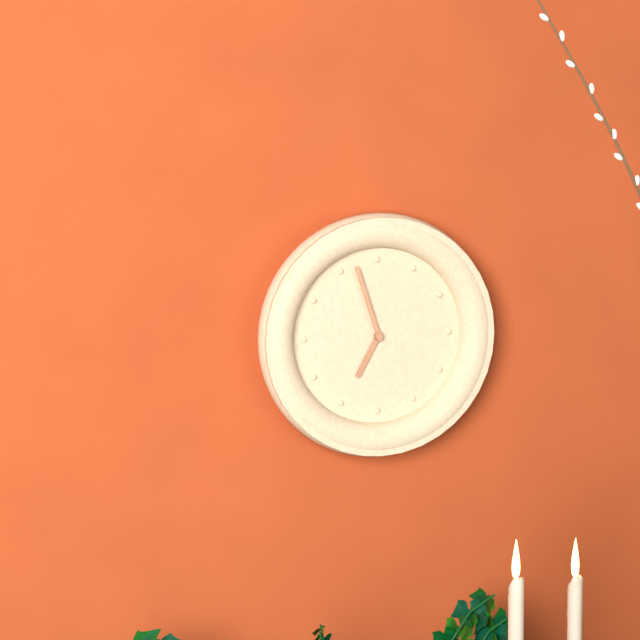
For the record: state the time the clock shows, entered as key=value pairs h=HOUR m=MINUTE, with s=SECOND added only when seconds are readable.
h=6 m=57
